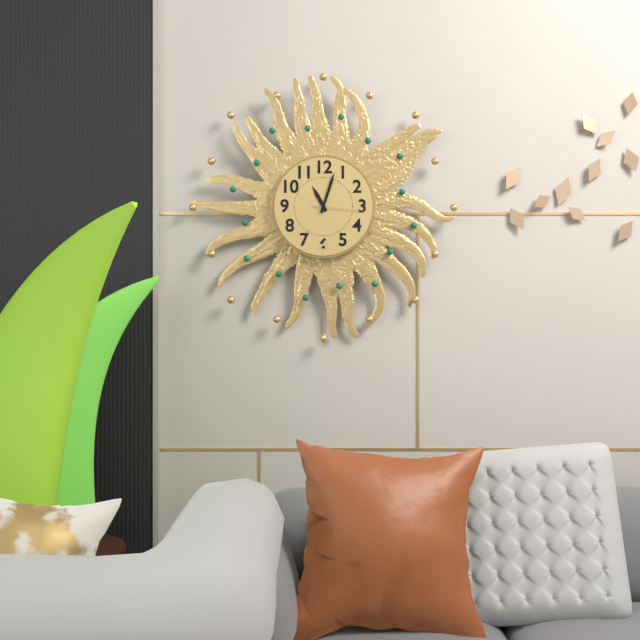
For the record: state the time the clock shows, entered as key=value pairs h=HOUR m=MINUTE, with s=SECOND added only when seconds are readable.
h=11 m=3 s=16
